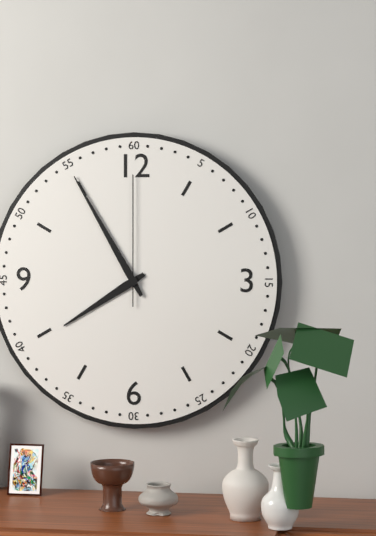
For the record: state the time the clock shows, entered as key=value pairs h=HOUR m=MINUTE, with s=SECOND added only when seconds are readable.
h=7 m=55 s=0
